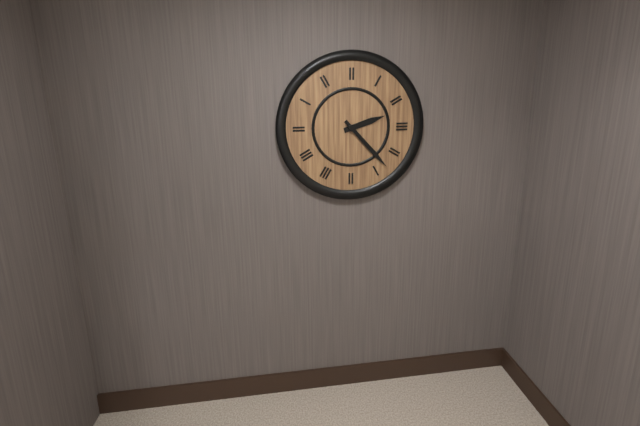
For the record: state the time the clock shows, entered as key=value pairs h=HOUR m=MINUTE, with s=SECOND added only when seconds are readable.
h=2 m=23
